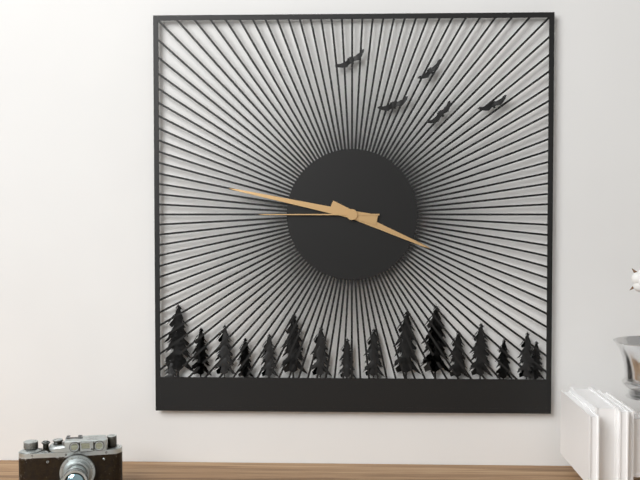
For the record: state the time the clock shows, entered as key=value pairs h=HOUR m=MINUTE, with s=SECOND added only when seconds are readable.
h=3 m=47 s=45
